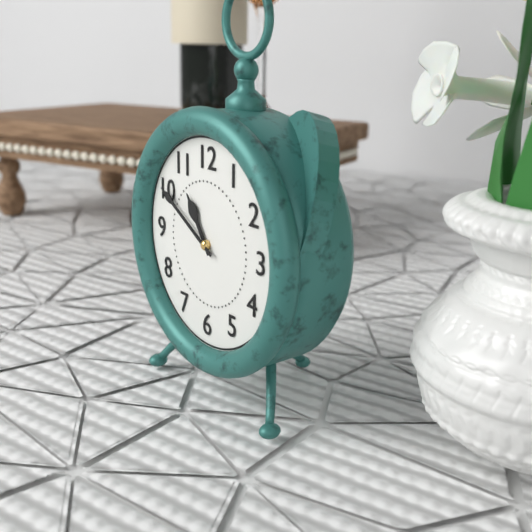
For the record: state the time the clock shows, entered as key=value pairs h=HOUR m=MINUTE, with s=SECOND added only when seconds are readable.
h=10 m=50
